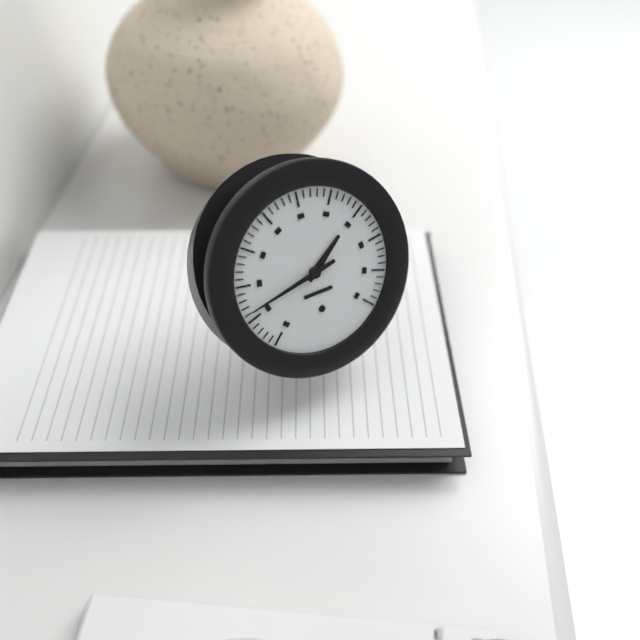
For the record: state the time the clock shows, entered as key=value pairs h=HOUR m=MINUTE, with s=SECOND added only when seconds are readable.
h=1 m=43
